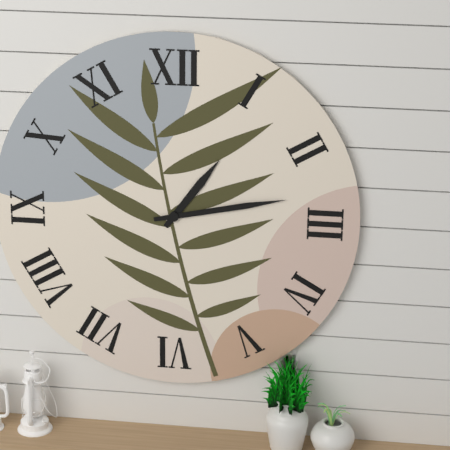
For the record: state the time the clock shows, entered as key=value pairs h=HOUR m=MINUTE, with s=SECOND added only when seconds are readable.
h=1 m=13
